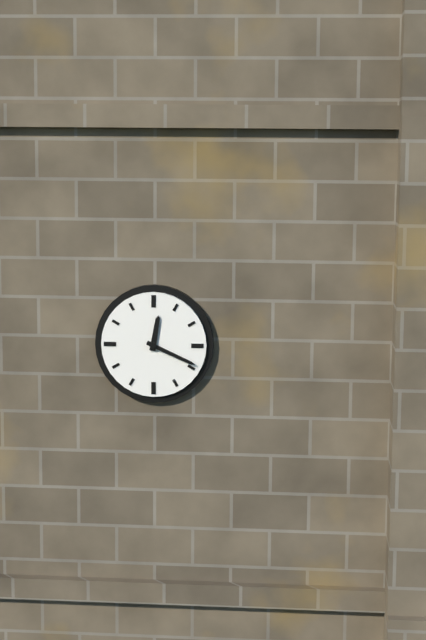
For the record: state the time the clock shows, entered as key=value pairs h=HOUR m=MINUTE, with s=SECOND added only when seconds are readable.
h=12 m=19
